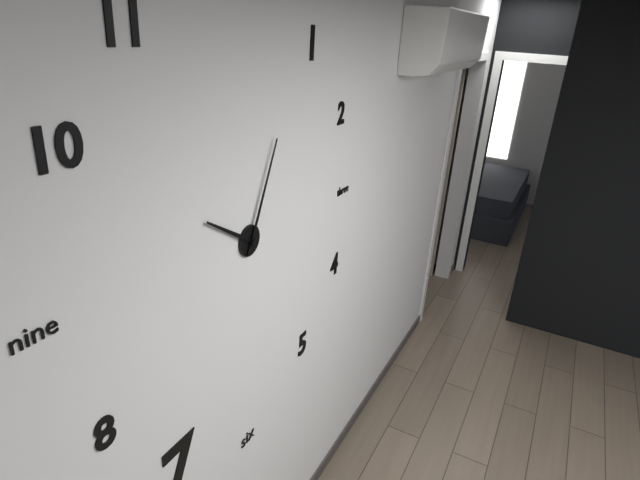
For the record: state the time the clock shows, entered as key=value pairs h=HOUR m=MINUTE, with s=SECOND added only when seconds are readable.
h=10 m=4
